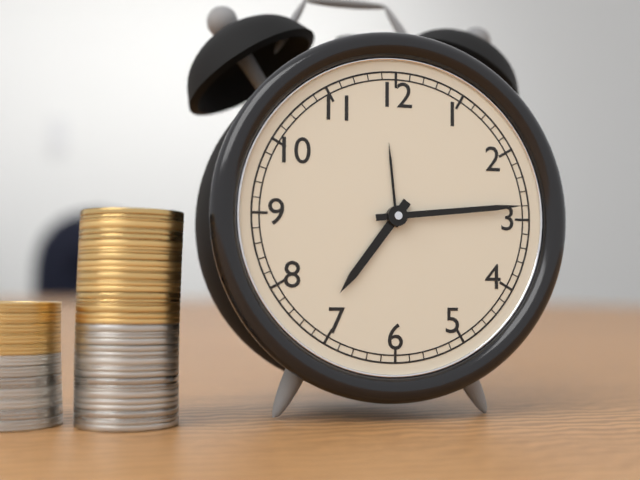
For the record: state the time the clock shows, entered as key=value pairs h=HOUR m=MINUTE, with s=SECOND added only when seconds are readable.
h=7 m=14
